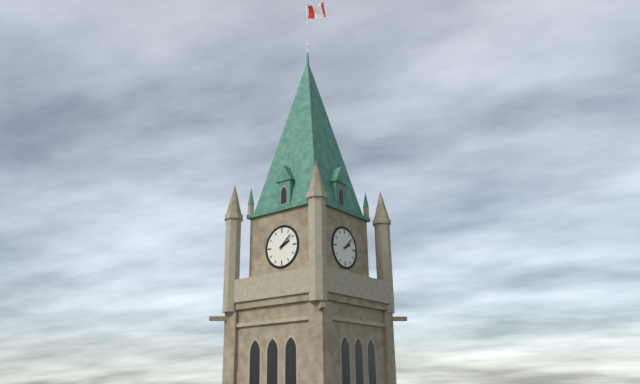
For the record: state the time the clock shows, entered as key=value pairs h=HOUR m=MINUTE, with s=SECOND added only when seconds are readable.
h=2 m=8
